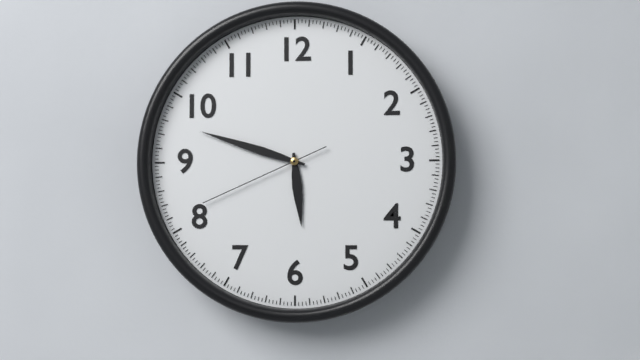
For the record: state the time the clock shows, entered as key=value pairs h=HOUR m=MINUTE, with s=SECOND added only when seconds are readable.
h=5 m=48 s=41
